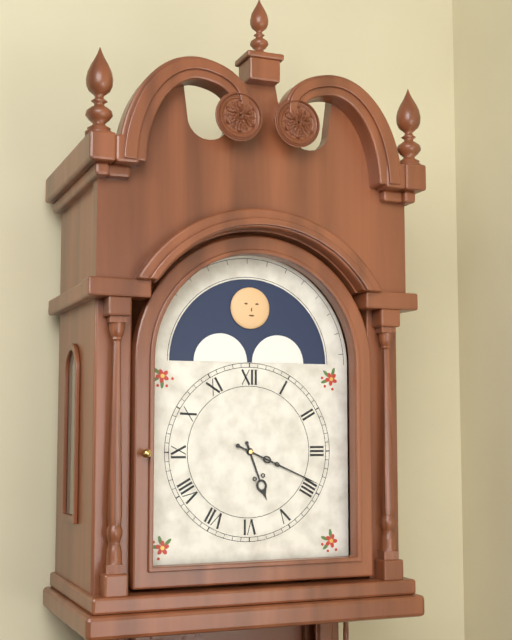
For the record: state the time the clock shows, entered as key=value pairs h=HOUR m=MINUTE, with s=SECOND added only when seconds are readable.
h=5 m=19
